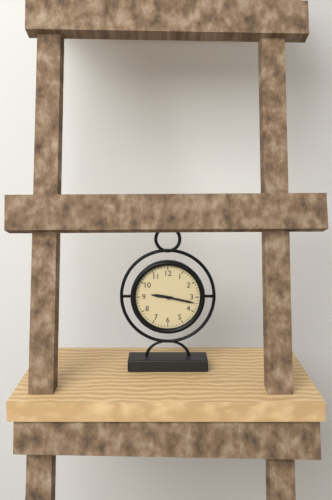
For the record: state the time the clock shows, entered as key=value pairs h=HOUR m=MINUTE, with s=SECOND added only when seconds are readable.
h=9 m=17
